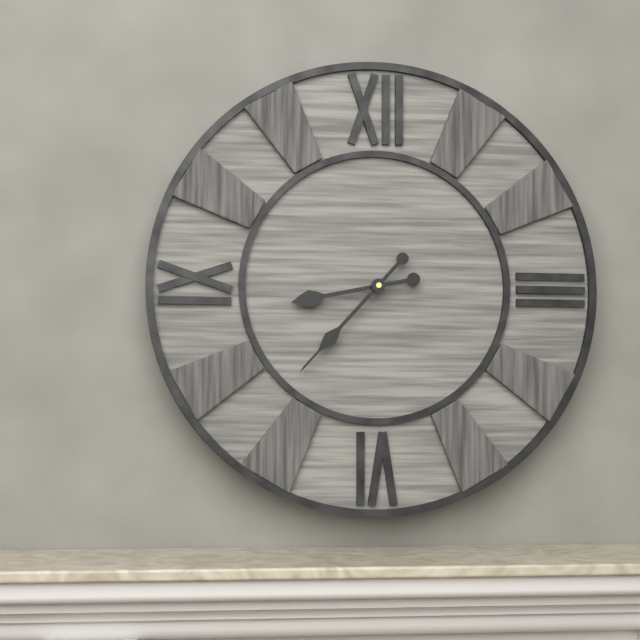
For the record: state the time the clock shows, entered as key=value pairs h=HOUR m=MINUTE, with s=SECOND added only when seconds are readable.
h=8 m=37
